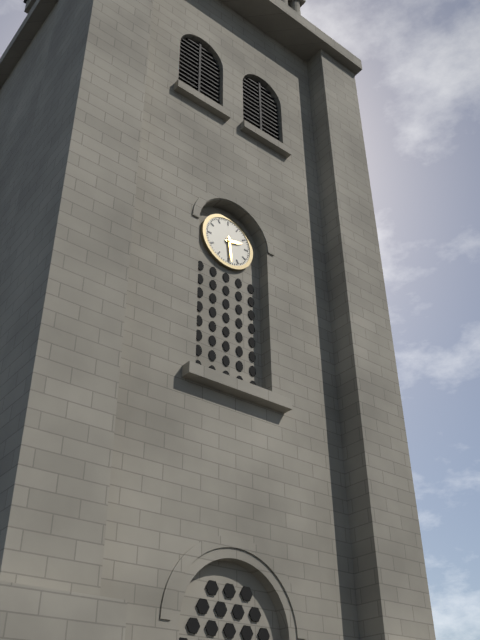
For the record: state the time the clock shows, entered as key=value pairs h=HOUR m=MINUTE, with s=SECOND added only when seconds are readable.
h=2 m=29
